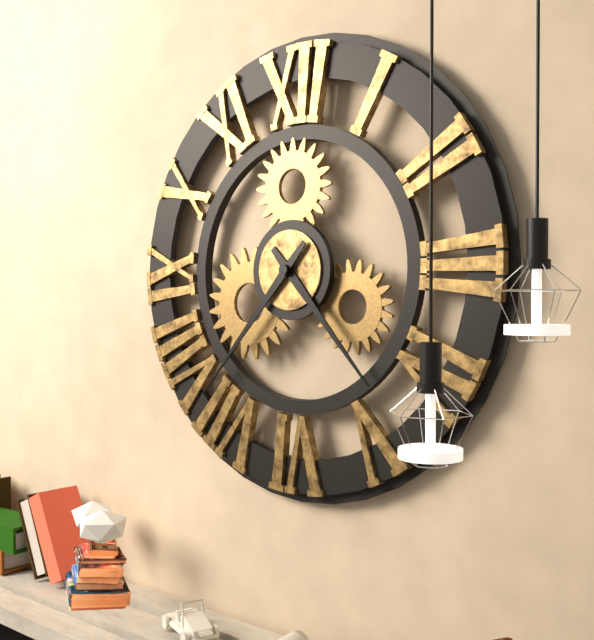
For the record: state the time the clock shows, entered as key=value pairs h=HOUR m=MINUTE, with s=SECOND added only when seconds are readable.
h=4 m=37
